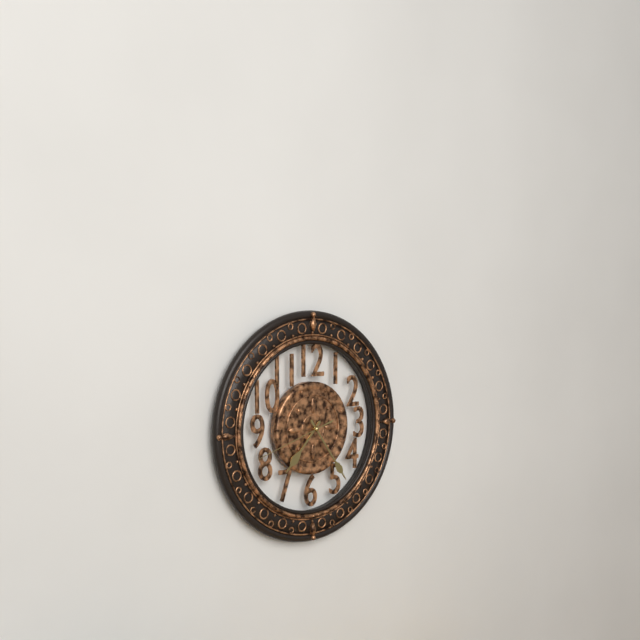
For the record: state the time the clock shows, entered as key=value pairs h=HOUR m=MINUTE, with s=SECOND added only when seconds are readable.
h=7 m=24 s=42
